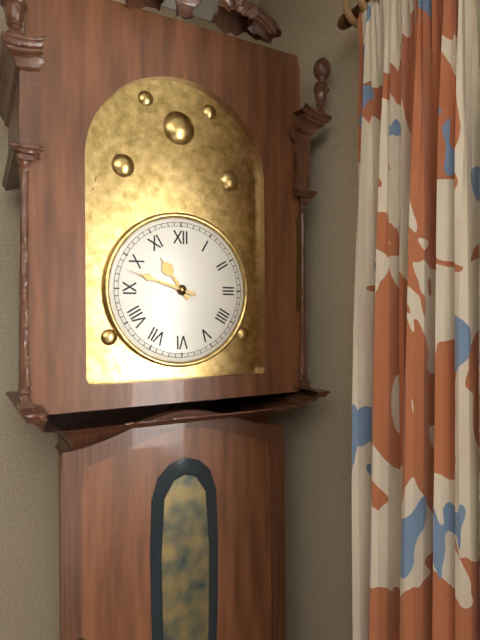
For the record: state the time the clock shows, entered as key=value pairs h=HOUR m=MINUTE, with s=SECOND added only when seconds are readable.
h=10 m=48
